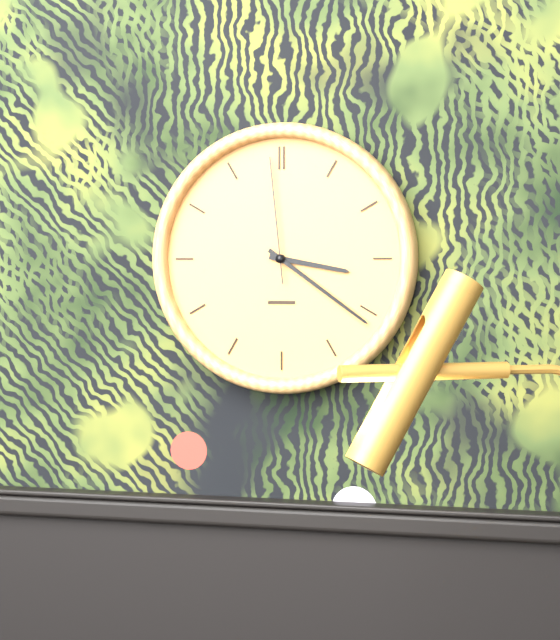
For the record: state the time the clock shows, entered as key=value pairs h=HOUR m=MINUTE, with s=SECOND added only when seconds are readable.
h=3 m=21 s=59
